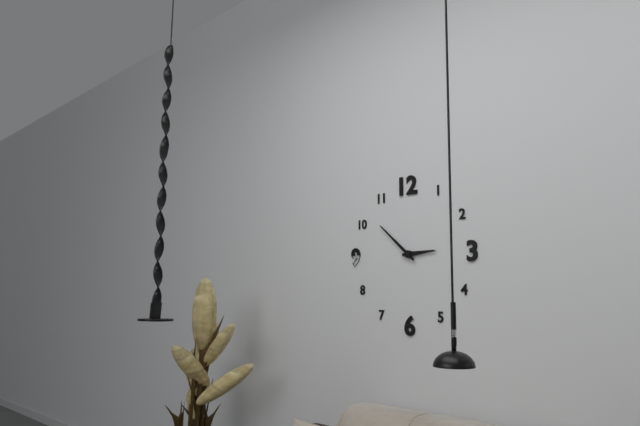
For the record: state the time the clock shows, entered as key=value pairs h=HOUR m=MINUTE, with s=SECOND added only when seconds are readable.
h=2 m=52
